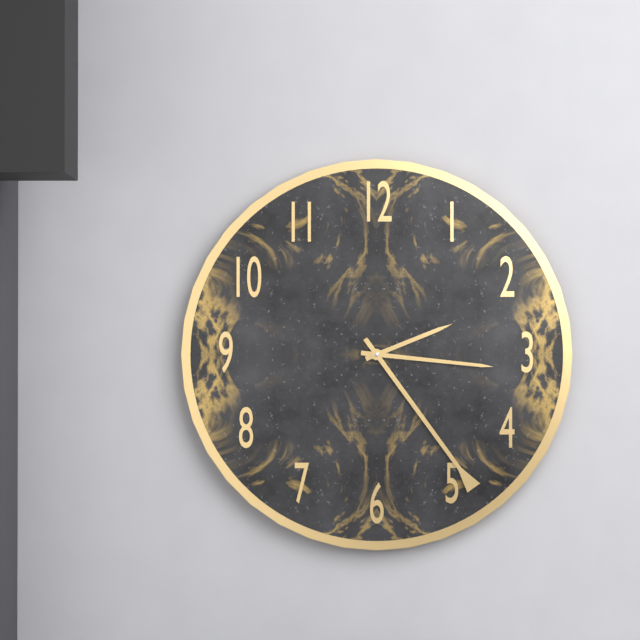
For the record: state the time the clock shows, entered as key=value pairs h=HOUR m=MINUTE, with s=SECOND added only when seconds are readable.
h=2 m=16 s=24
